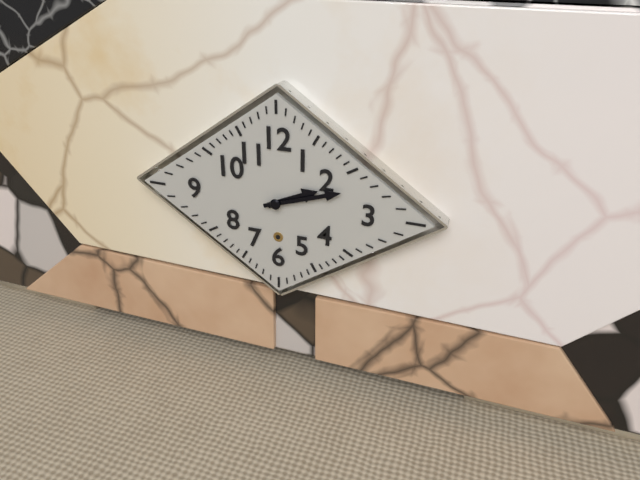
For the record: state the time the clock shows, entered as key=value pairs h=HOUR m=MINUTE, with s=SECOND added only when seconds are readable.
h=2 m=12
